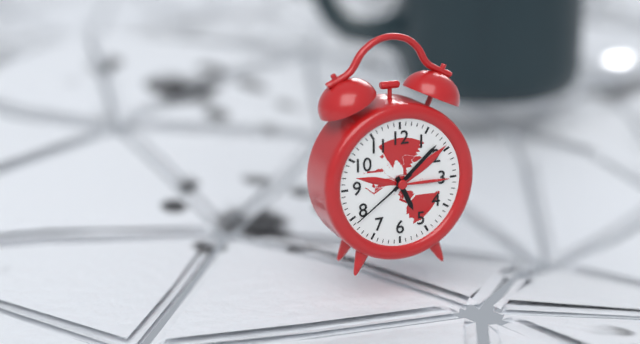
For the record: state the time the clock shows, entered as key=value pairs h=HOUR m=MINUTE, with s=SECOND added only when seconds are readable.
h=5 m=8 s=39
